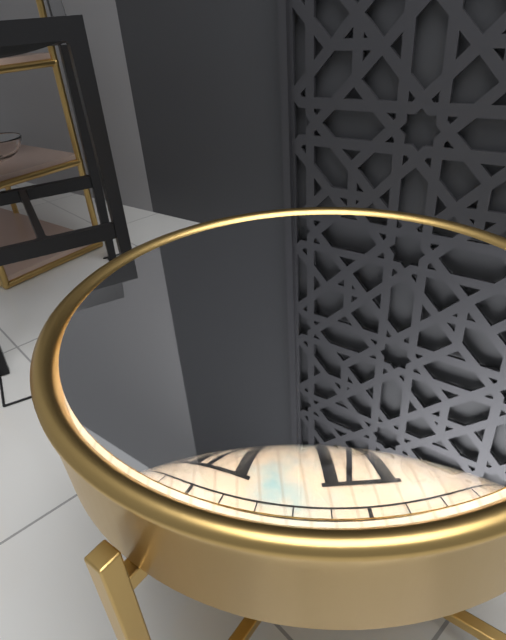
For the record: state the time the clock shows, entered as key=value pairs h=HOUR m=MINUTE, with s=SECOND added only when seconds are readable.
h=10 m=43
